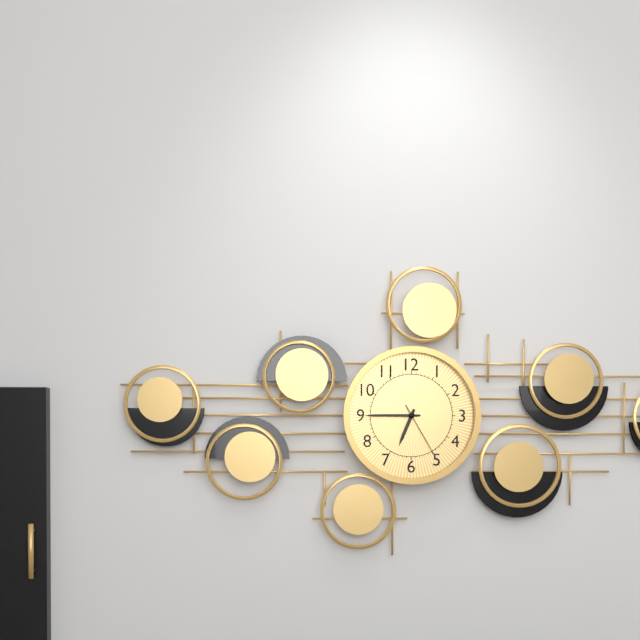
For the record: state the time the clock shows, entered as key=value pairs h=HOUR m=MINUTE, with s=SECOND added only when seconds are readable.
h=6 m=45 s=25
